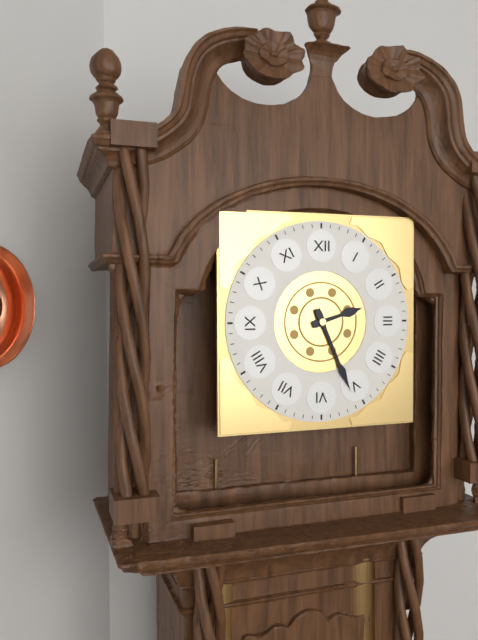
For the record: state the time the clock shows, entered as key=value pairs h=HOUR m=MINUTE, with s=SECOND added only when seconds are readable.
h=2 m=26
